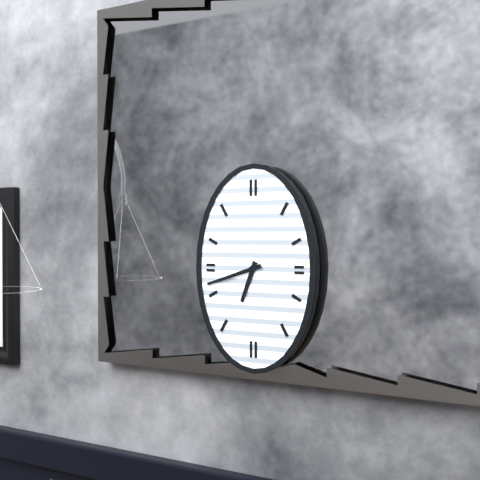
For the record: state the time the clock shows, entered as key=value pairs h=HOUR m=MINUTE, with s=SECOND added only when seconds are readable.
h=6 m=42
